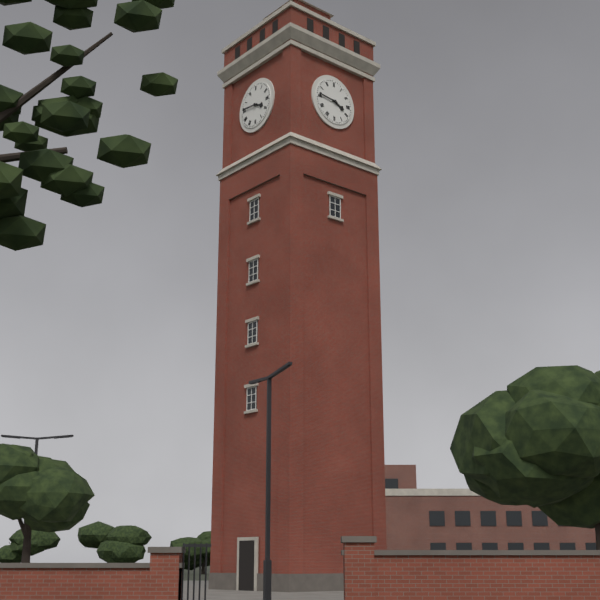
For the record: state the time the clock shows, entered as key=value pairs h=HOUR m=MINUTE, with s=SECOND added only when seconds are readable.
h=3 m=46
